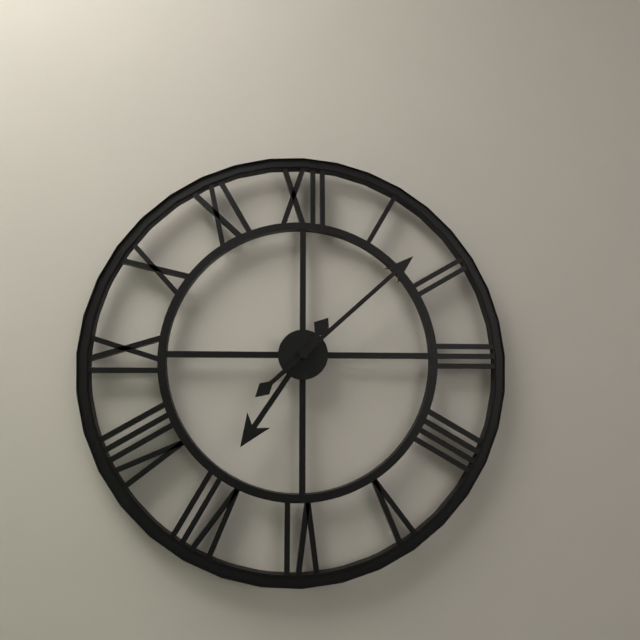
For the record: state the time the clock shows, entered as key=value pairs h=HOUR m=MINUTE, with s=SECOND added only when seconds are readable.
h=7 m=8
